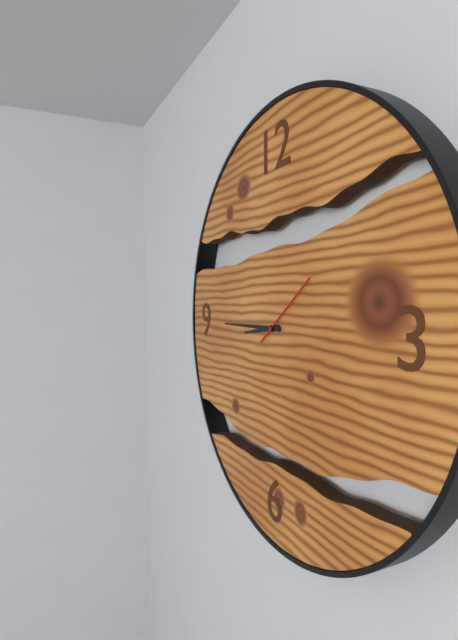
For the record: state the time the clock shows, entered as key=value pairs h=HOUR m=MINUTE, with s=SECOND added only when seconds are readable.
h=8 m=45 s=9
